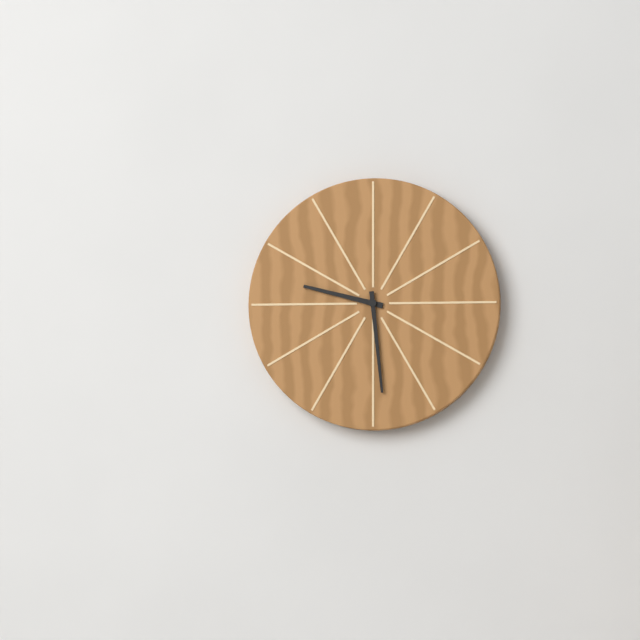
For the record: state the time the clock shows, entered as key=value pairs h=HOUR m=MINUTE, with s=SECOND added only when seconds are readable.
h=9 m=29
